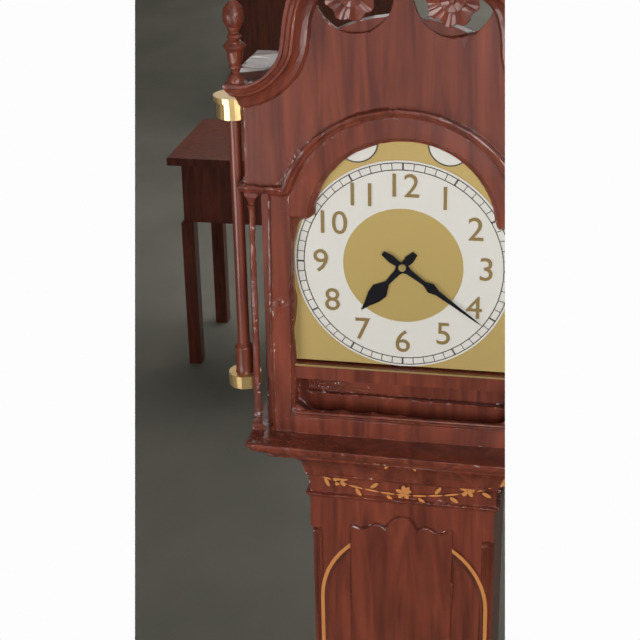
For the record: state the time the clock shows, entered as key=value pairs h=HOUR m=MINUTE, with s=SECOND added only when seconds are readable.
h=7 m=21
